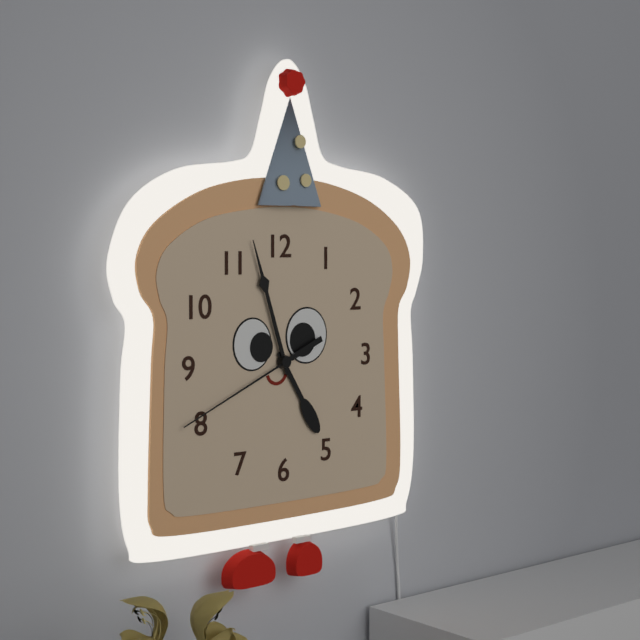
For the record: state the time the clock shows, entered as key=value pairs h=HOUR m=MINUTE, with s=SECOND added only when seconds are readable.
h=4 m=57 s=41
